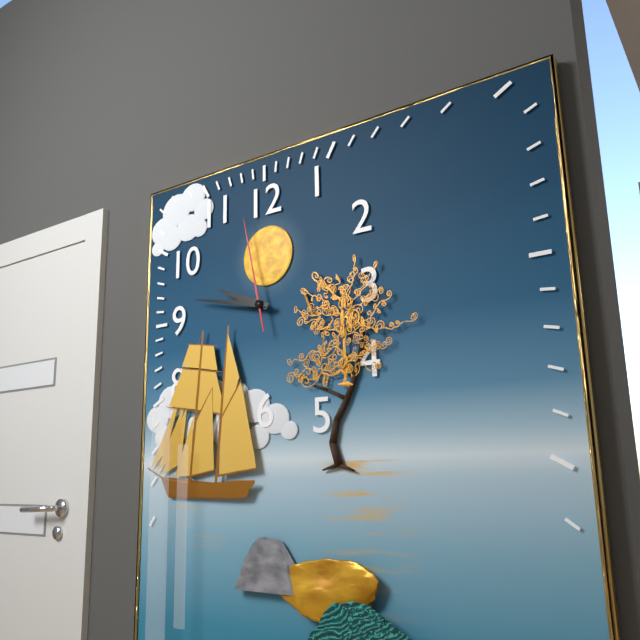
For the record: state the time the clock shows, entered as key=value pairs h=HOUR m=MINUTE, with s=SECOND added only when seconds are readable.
h=9 m=47 s=58
